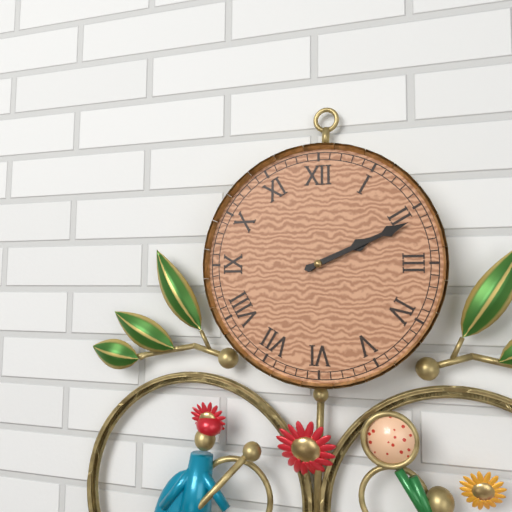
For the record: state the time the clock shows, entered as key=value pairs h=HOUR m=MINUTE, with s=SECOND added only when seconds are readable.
h=2 m=11
